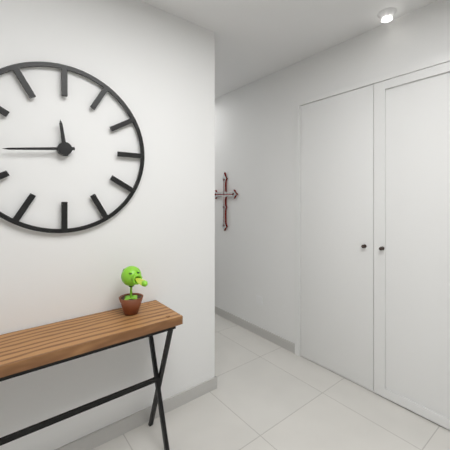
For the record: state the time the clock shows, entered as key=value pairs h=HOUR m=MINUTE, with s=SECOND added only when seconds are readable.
h=11 m=44
